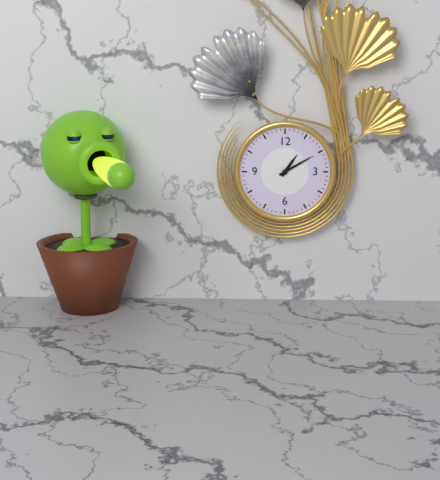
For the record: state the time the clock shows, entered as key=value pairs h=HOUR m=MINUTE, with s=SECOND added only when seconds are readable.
h=1 m=10
